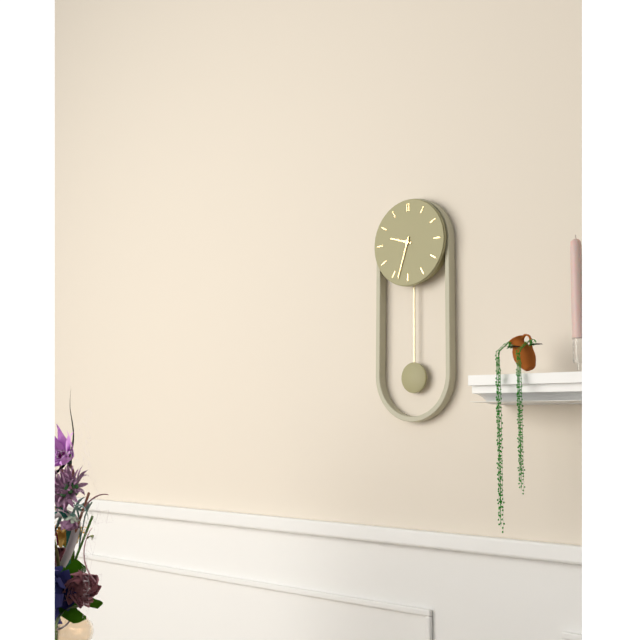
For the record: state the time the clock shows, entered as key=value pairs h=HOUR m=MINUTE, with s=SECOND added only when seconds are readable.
h=9 m=33
